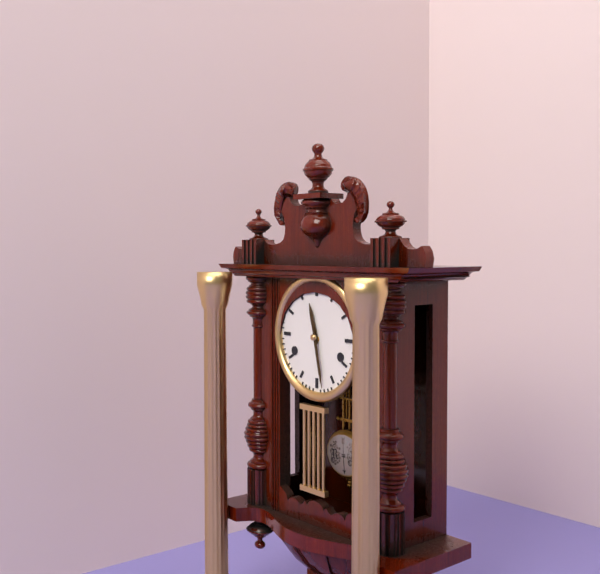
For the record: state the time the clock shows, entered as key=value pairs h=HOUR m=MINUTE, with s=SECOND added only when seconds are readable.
h=11 m=28
